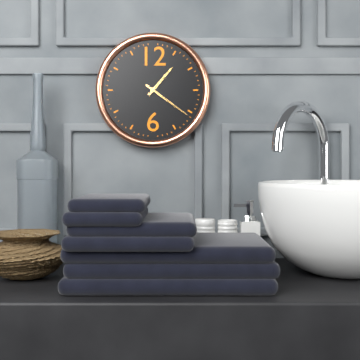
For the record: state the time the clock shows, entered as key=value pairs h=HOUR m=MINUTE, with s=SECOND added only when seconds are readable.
h=1 m=21
